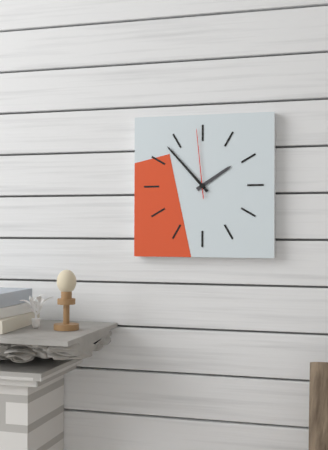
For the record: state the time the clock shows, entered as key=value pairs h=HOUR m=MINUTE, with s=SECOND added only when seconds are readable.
h=1 m=53 s=59
